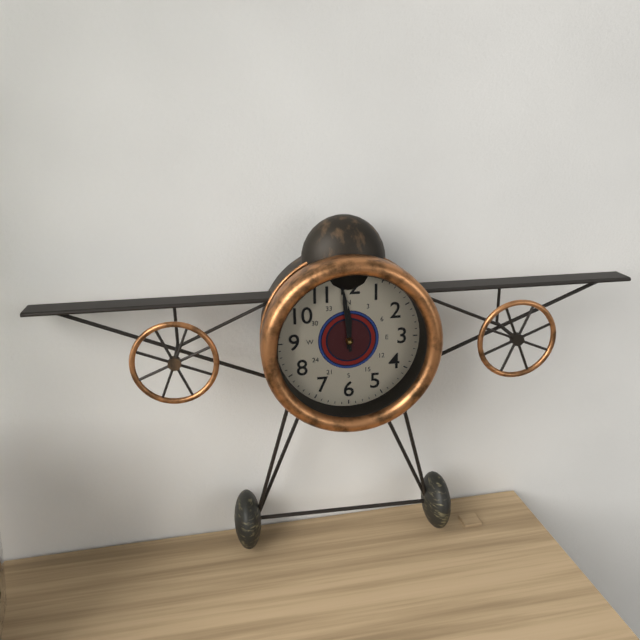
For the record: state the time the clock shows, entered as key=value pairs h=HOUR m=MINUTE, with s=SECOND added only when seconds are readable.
h=11 m=59
